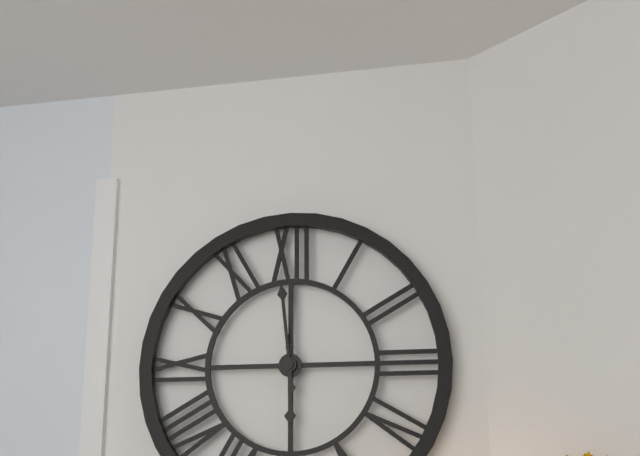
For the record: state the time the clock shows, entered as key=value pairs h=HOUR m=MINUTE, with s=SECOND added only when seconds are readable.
h=5 m=59
